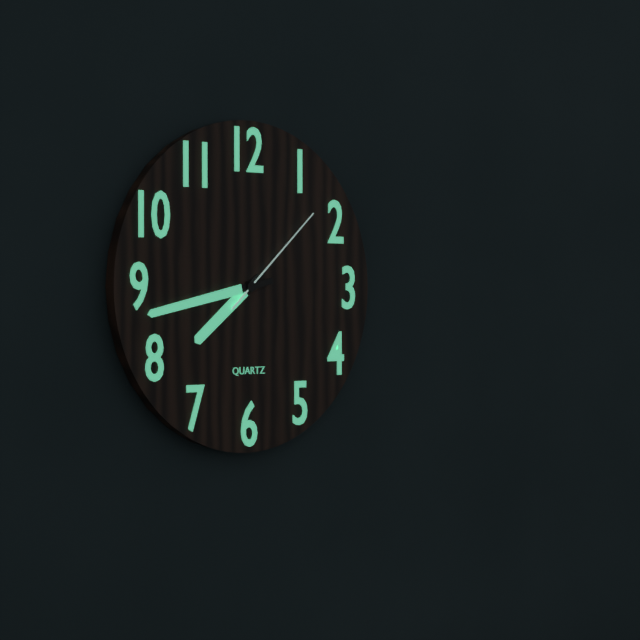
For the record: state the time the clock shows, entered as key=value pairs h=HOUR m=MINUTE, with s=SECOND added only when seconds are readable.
h=7 m=43 s=8
